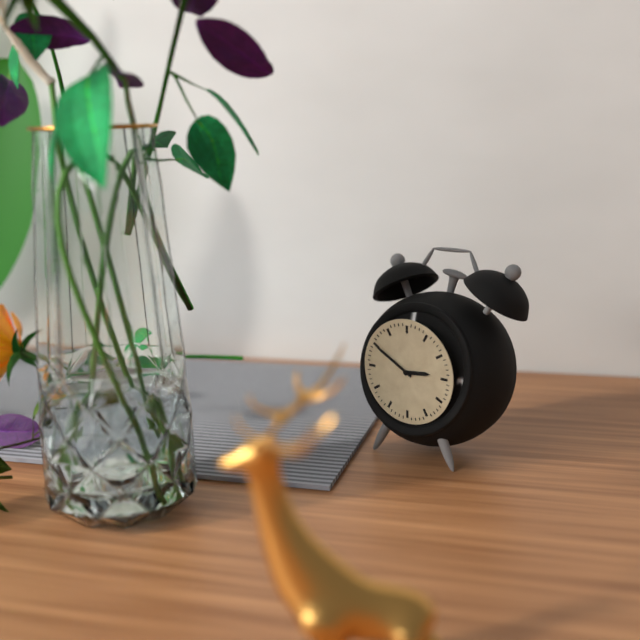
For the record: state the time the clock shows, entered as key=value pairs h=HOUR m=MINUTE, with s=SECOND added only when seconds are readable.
h=2 m=50
